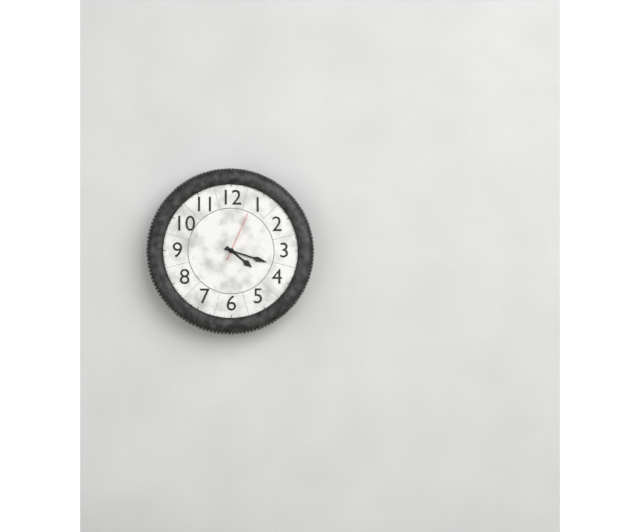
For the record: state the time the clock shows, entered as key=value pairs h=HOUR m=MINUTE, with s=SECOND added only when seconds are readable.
h=4 m=18 s=4
